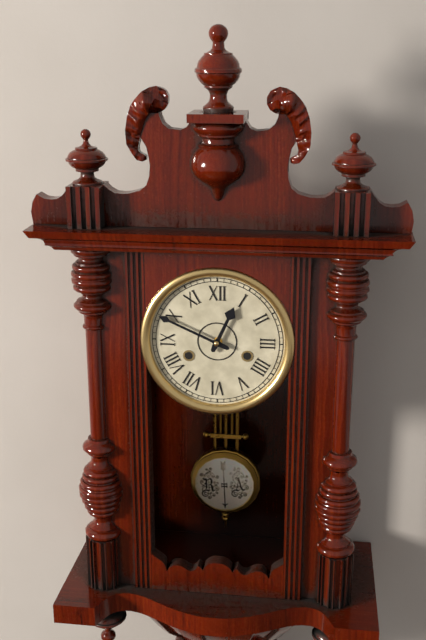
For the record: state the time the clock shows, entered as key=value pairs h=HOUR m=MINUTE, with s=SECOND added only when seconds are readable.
h=12 m=49
